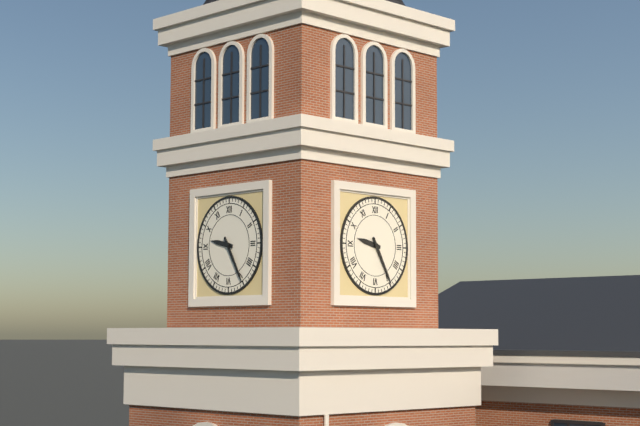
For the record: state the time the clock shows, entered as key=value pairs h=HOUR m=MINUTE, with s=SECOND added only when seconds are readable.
h=9 m=25
